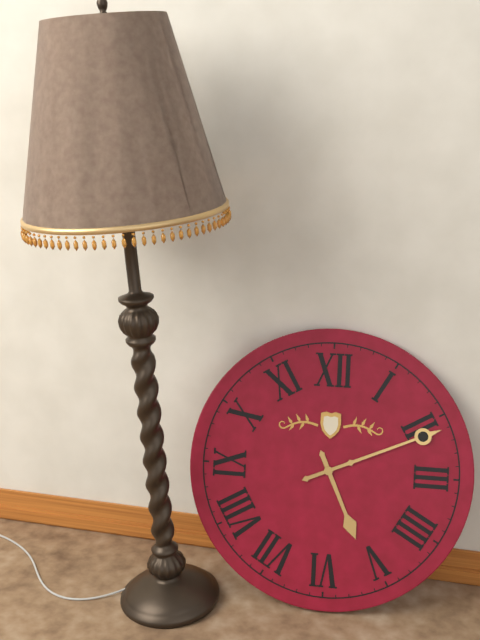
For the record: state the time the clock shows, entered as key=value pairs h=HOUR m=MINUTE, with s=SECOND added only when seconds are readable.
h=5 m=11
